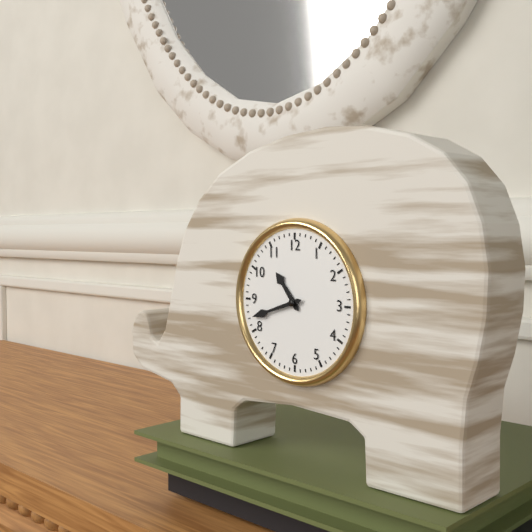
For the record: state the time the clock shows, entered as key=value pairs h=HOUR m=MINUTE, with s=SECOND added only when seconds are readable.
h=10 m=42
